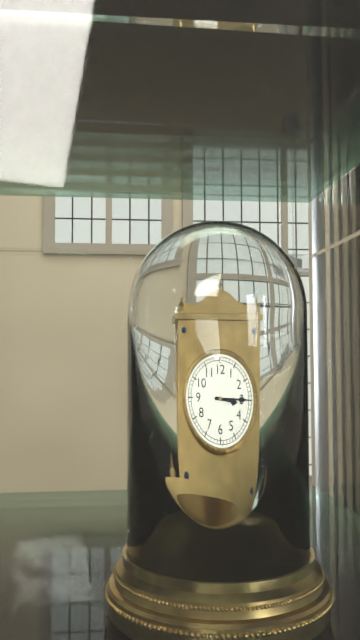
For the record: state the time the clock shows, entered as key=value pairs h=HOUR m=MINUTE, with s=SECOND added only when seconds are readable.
h=3 m=15
